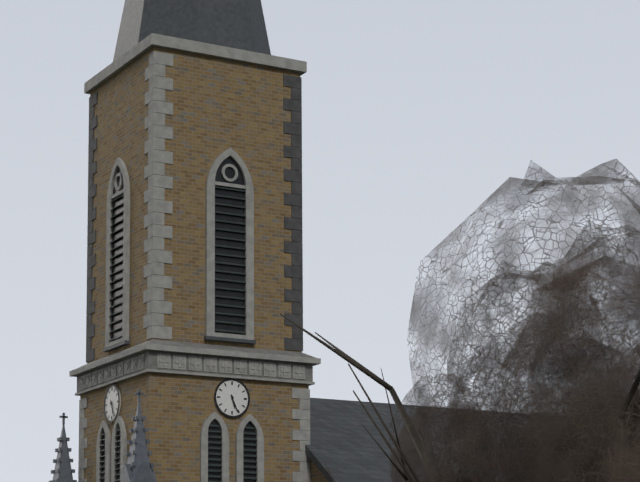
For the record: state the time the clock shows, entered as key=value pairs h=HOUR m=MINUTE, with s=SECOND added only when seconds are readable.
h=5 m=26
